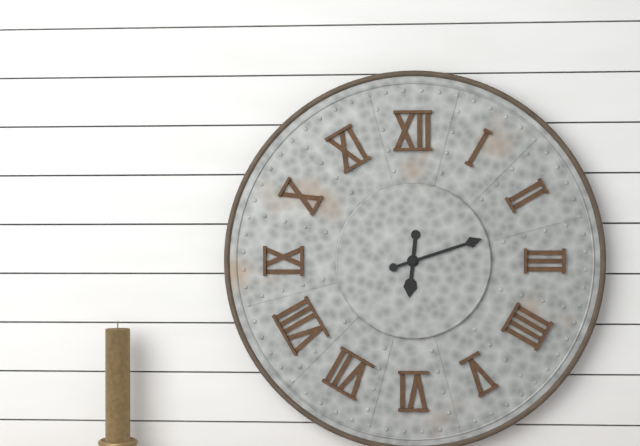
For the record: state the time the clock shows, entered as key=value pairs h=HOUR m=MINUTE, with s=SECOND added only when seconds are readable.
h=6 m=12
